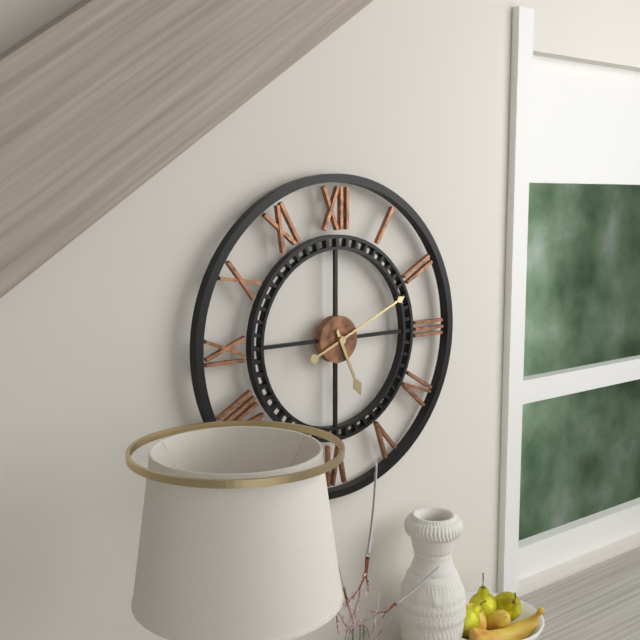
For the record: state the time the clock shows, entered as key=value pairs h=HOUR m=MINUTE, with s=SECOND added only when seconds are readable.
h=5 m=11
